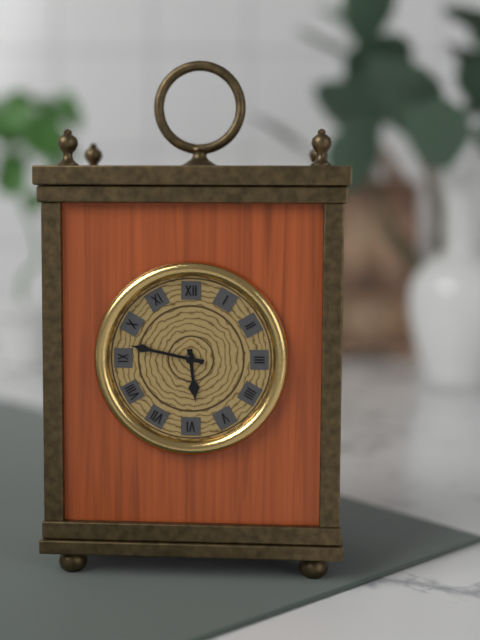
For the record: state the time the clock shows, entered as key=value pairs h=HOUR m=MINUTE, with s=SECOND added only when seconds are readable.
h=5 m=47
